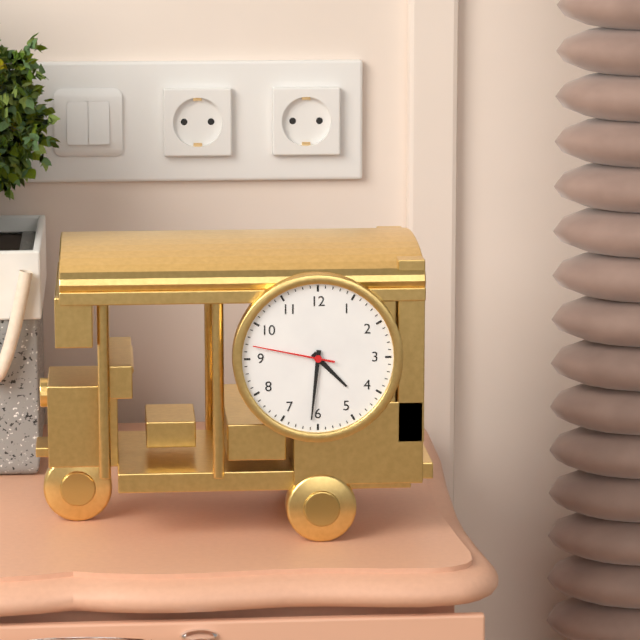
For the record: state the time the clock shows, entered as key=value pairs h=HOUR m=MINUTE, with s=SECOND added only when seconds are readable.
h=4 m=31 s=47
